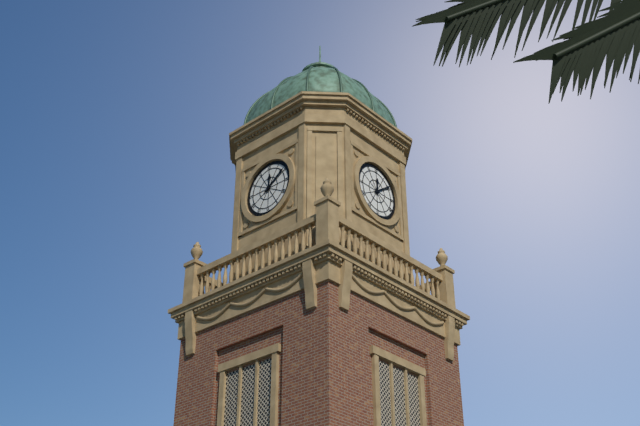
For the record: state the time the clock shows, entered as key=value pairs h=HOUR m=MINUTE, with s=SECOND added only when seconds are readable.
h=12 m=9
